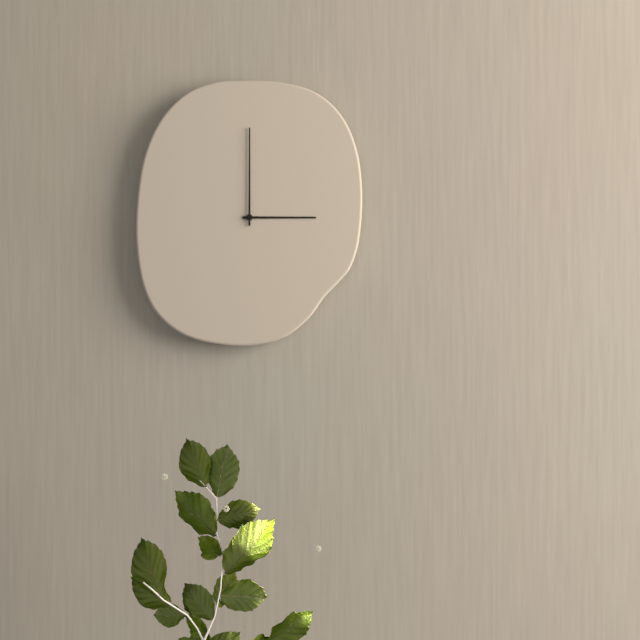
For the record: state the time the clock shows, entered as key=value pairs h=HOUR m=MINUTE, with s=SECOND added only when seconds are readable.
h=3 m=0
